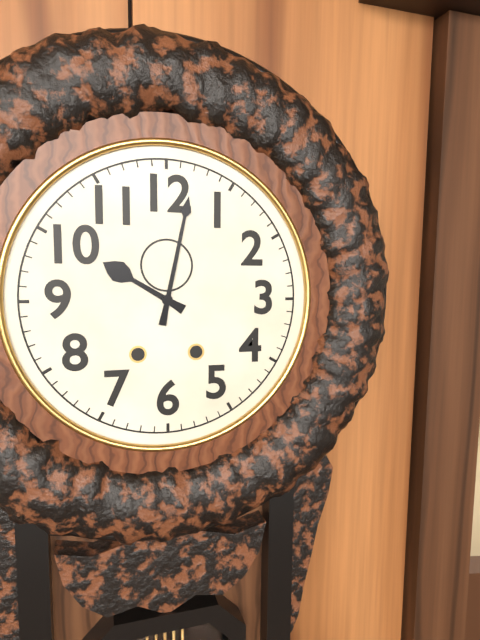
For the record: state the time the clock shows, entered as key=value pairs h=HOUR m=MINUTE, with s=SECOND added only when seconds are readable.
h=10 m=2
